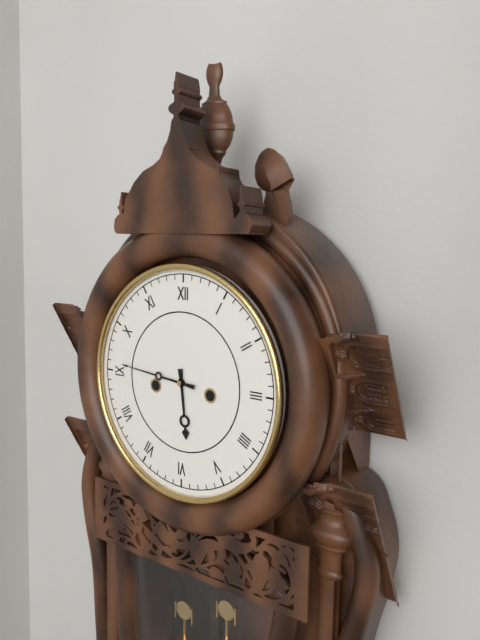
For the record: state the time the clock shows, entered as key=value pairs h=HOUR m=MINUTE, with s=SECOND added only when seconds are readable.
h=5 m=46
